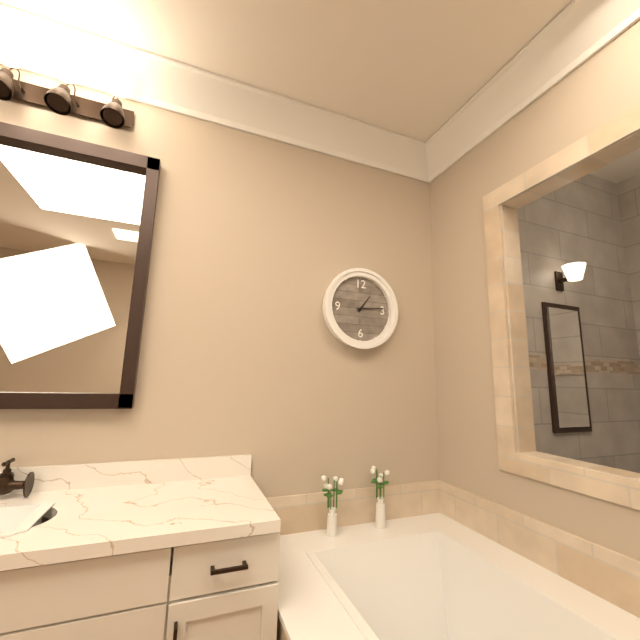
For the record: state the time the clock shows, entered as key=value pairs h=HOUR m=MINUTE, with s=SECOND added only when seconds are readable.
h=1 m=14
